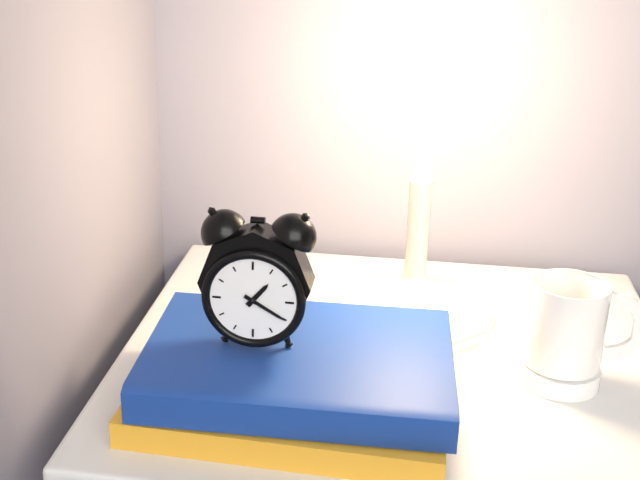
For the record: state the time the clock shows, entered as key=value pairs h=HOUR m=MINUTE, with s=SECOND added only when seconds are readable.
h=1 m=20
